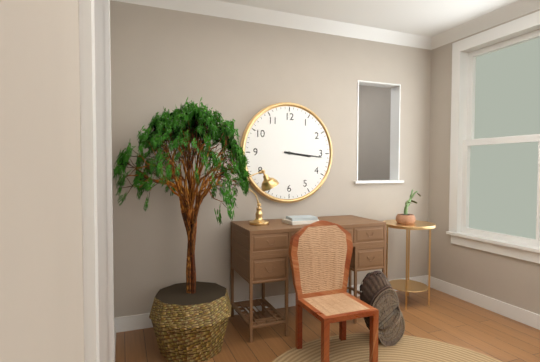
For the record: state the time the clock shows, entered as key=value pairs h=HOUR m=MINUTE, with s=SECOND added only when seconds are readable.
h=3 m=16
